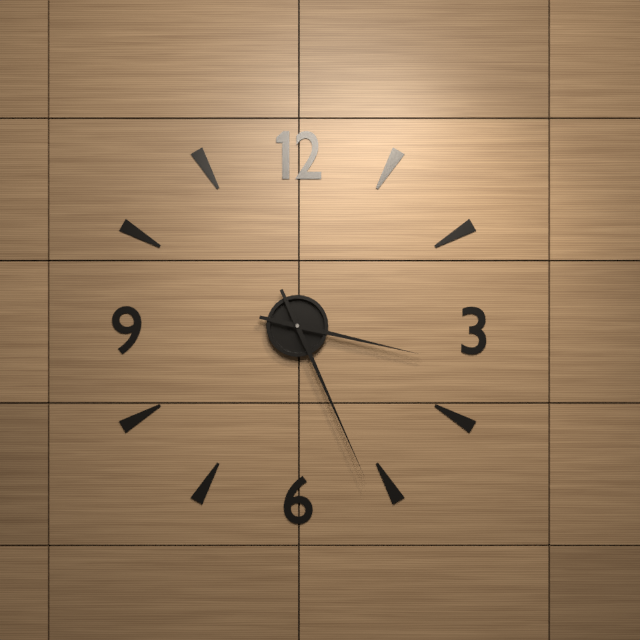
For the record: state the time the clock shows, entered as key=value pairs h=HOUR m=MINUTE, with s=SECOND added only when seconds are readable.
h=3 m=26
